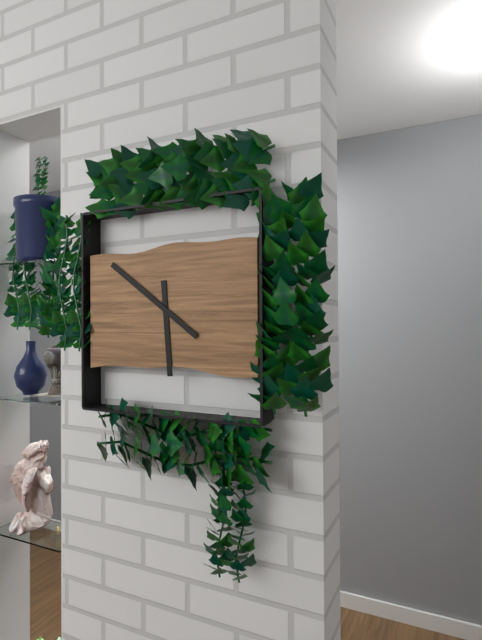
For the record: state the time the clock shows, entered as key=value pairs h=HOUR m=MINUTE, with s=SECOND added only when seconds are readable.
h=5 m=51
